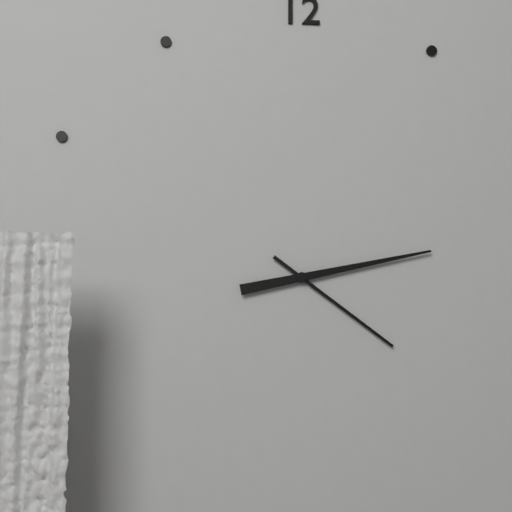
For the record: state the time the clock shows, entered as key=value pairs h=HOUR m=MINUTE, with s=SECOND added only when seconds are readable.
h=4 m=13
